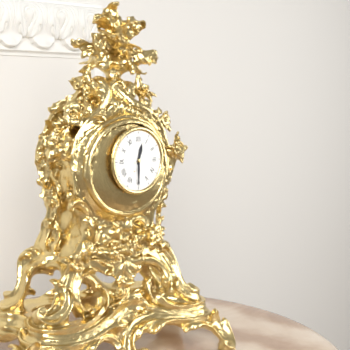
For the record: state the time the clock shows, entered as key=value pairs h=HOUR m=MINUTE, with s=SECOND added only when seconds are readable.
h=12 m=30
